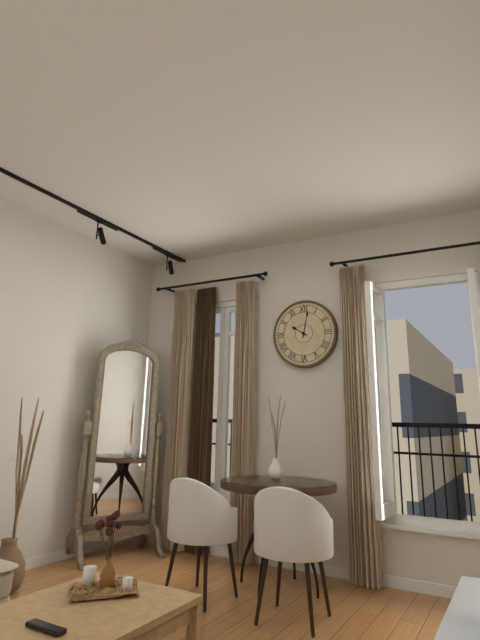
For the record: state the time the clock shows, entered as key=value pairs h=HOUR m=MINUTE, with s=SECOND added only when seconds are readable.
h=10 m=2
